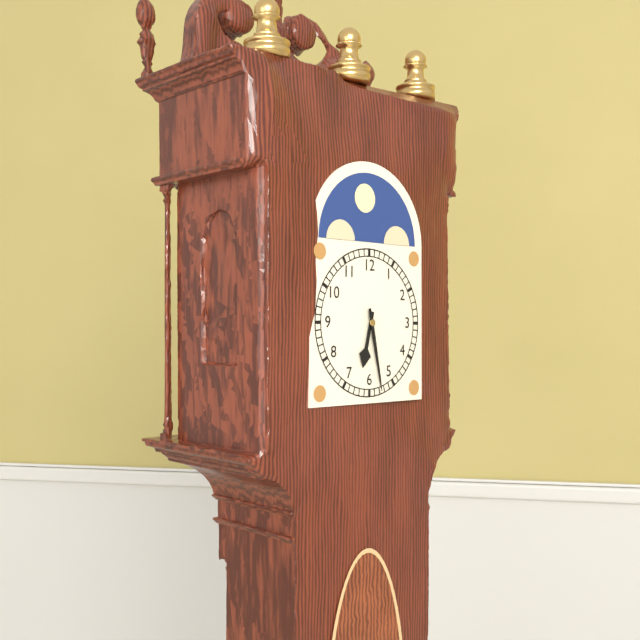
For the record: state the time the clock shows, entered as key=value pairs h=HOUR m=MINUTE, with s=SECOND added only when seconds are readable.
h=6 m=28
